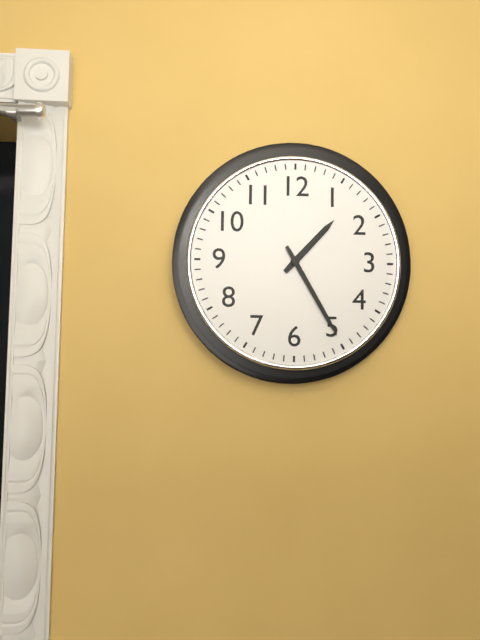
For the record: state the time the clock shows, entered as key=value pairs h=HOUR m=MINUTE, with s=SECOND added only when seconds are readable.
h=1 m=25
